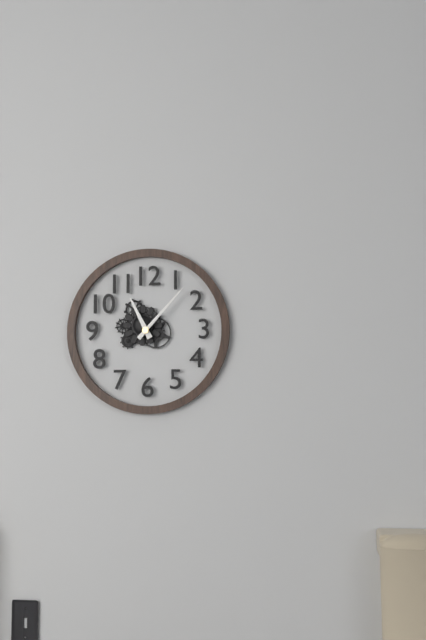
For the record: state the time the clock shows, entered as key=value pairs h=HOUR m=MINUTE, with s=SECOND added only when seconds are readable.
h=11 m=7
